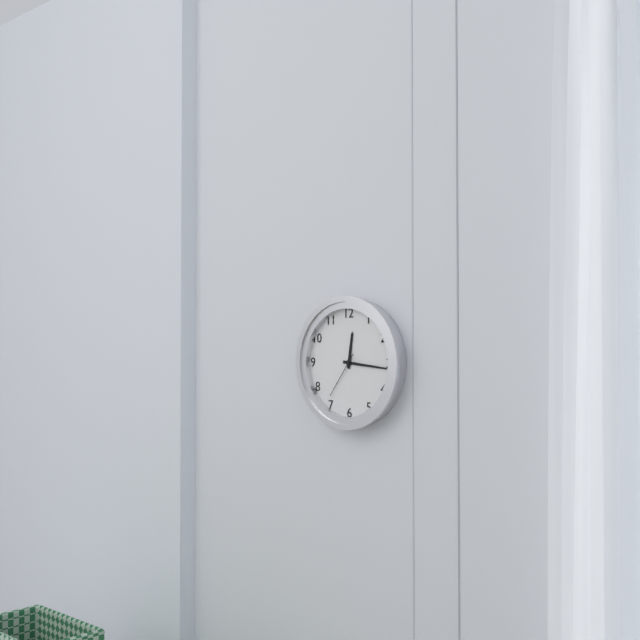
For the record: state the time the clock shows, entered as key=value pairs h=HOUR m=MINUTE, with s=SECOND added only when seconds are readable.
h=12 m=16
